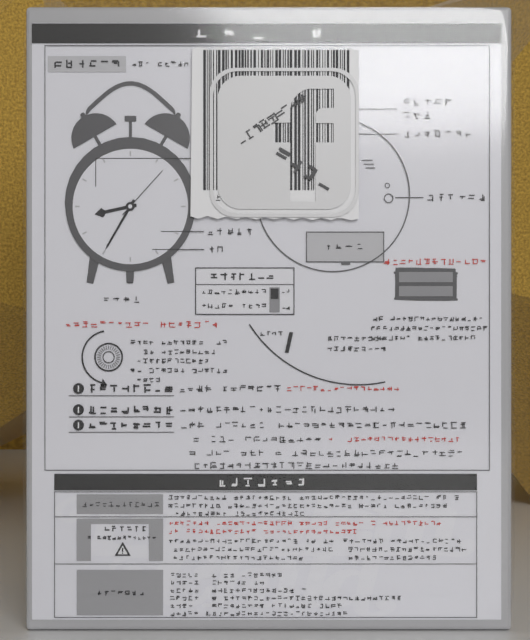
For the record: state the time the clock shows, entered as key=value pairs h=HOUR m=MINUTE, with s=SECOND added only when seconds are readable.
h=8 m=35 s=7
